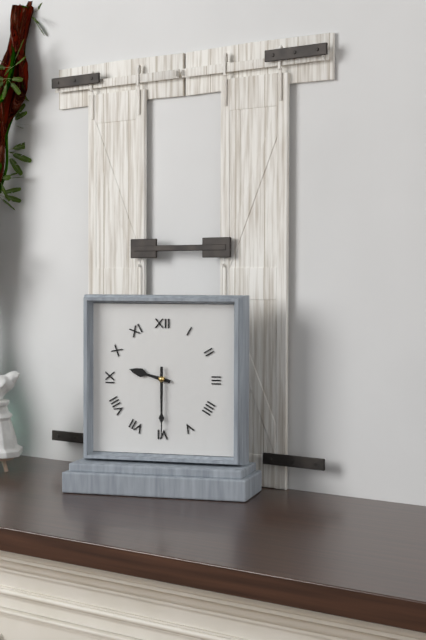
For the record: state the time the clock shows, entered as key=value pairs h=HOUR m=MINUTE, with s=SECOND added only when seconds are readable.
h=9 m=30
